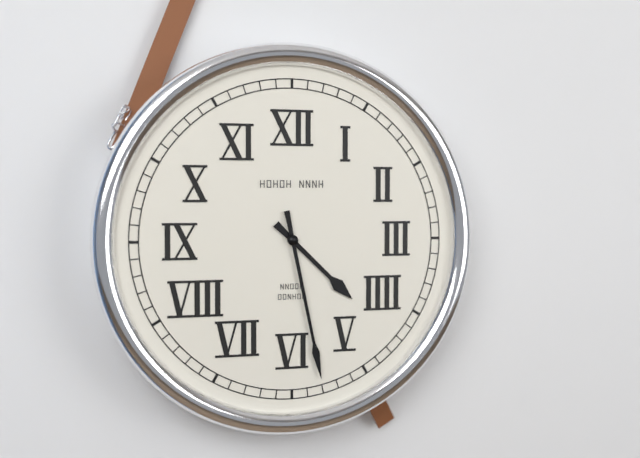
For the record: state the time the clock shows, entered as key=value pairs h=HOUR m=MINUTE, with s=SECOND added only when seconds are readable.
h=4 m=28
